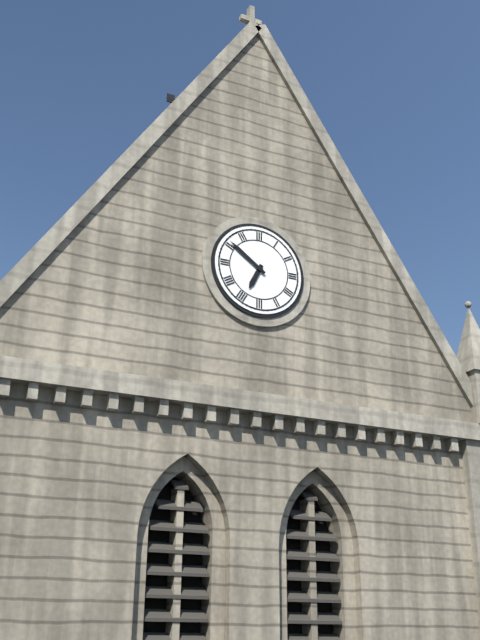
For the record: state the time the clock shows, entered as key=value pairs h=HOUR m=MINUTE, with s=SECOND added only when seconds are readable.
h=6 m=51
